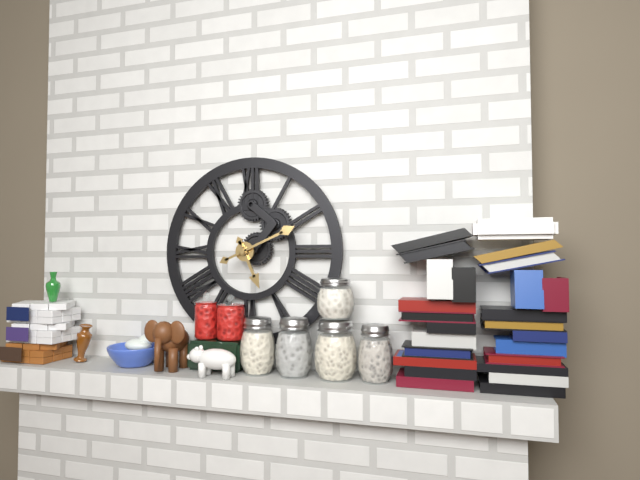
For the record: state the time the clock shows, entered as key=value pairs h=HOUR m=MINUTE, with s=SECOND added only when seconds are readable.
h=5 m=11
